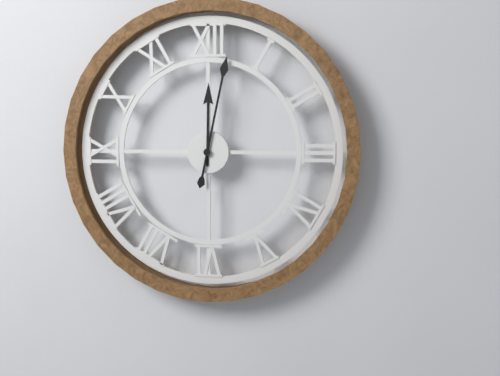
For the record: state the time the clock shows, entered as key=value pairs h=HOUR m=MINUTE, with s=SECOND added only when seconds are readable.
h=12 m=2
